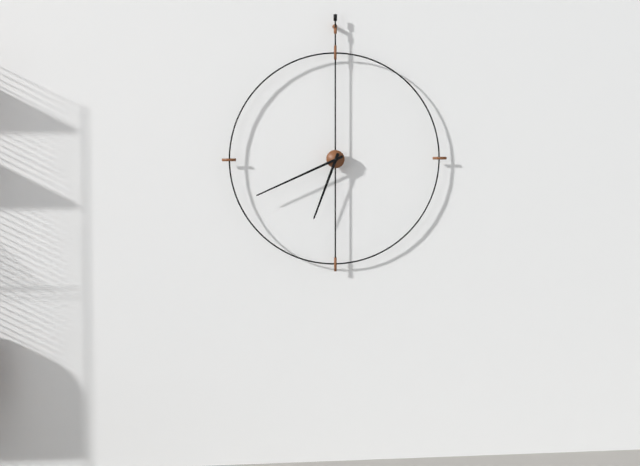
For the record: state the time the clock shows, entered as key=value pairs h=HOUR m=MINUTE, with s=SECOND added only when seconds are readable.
h=6 m=41
